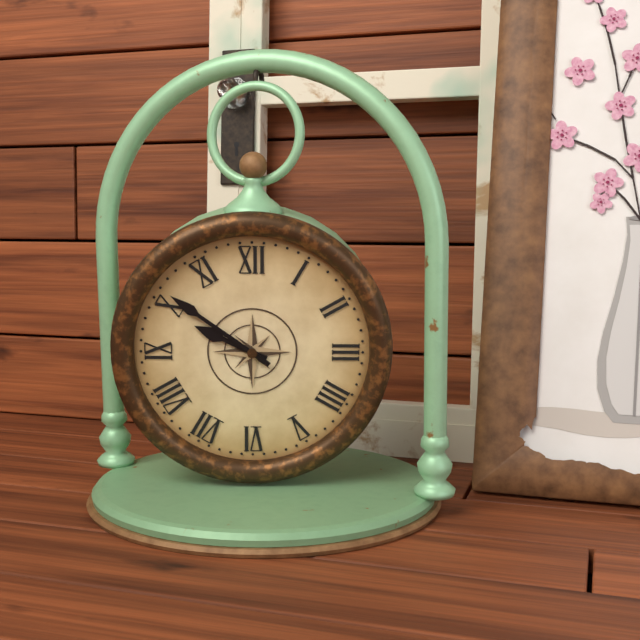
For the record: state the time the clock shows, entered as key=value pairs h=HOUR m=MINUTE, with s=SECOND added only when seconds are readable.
h=9 m=51
